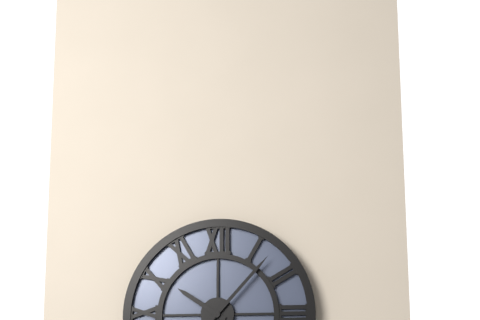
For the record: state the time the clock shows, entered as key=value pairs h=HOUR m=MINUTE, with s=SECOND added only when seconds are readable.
h=10 m=7
